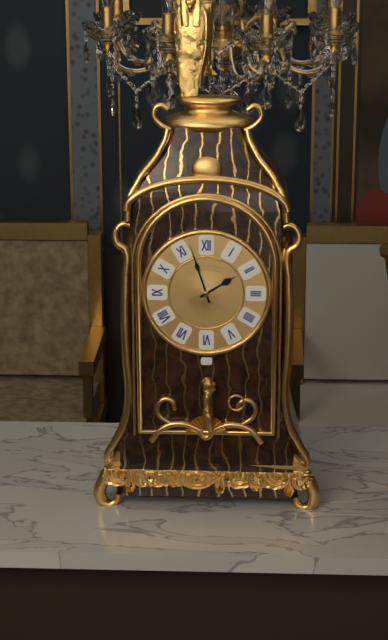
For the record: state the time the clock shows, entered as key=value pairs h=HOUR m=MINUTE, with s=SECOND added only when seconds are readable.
h=1 m=57
